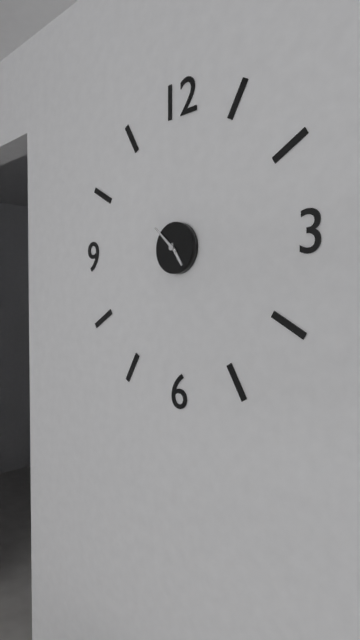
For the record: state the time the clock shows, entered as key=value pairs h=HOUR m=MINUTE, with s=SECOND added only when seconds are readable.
h=4 m=52
